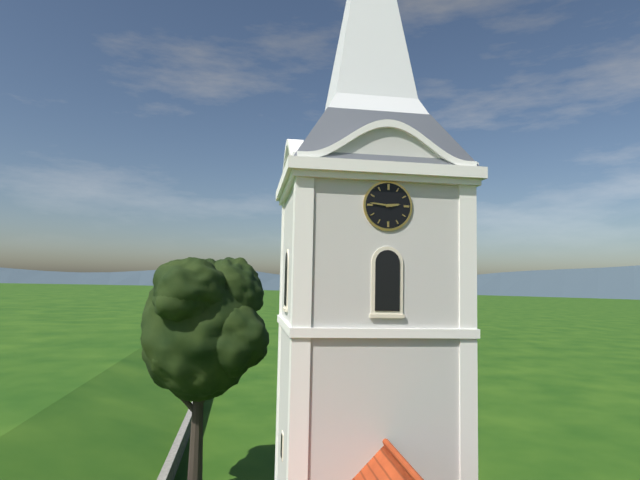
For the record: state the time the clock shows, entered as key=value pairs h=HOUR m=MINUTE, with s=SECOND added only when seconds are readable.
h=2 m=46
